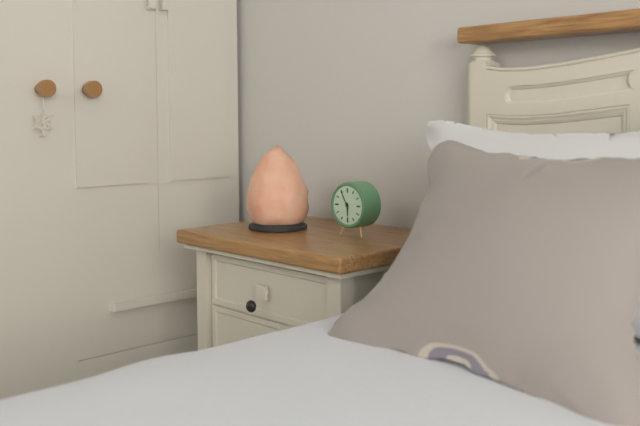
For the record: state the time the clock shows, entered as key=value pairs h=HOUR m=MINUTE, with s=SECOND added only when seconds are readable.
h=5 m=55
